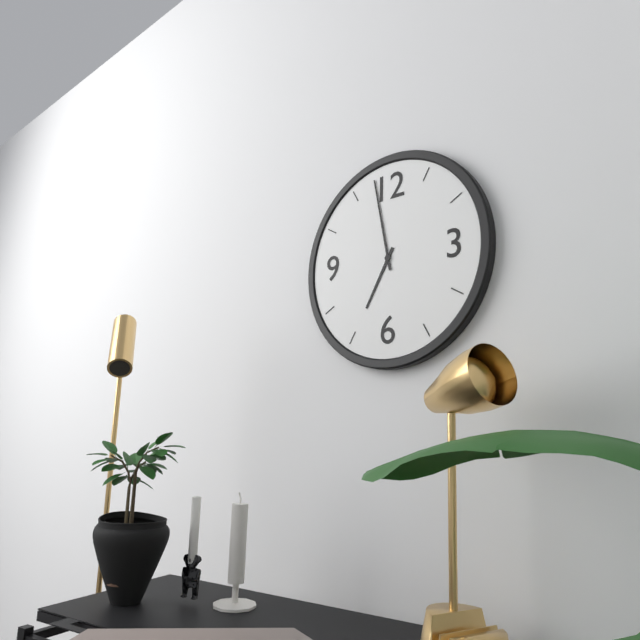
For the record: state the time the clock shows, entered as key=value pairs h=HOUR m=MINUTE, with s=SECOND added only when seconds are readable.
h=6 m=58
